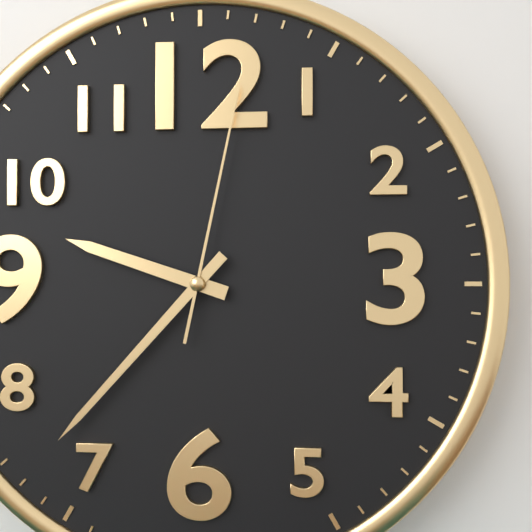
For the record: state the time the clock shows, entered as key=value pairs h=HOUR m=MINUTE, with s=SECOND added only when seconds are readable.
h=9 m=37 s=2
